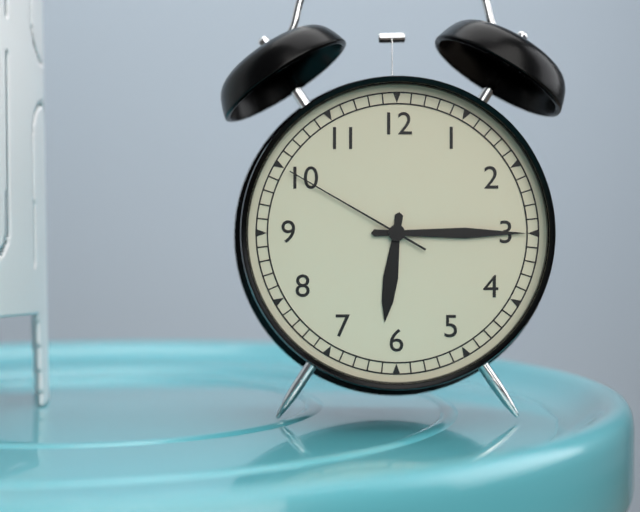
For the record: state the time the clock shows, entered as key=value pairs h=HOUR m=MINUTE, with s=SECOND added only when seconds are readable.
h=6 m=15 s=50
